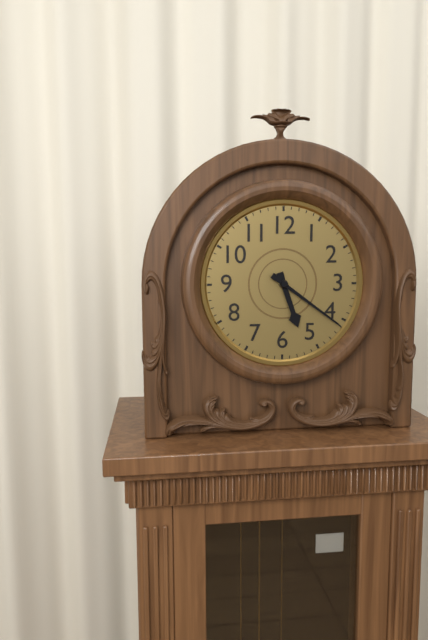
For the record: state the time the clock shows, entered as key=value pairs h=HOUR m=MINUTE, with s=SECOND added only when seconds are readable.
h=5 m=21
